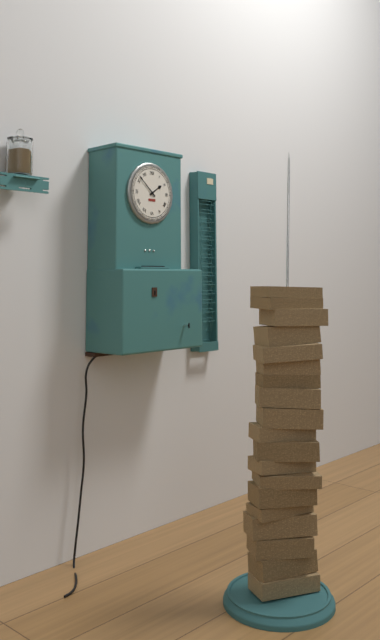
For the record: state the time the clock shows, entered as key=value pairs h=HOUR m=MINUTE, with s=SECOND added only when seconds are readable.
h=1 m=52
